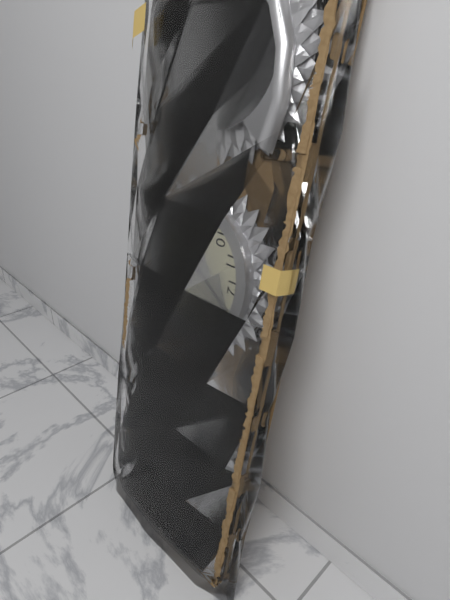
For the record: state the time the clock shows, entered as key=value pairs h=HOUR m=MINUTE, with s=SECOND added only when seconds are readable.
h=7 m=5
